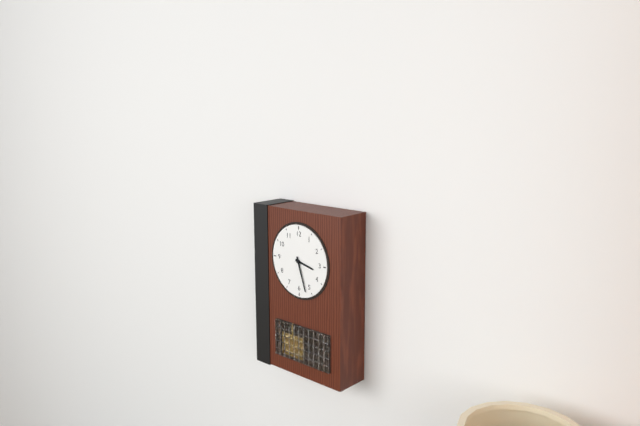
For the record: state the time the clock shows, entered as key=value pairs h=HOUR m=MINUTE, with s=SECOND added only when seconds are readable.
h=3 m=27
